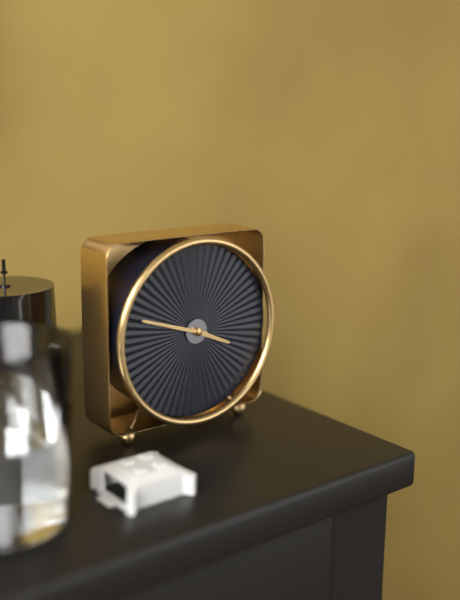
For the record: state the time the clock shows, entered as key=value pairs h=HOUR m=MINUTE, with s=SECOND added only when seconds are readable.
h=3 m=48
